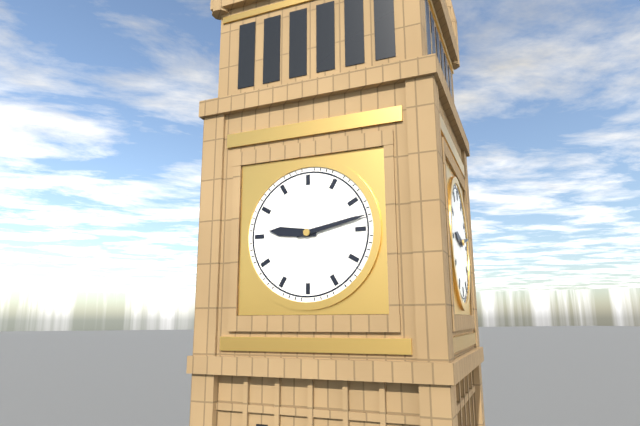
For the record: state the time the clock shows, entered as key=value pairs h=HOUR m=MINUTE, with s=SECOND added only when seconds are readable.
h=9 m=13
